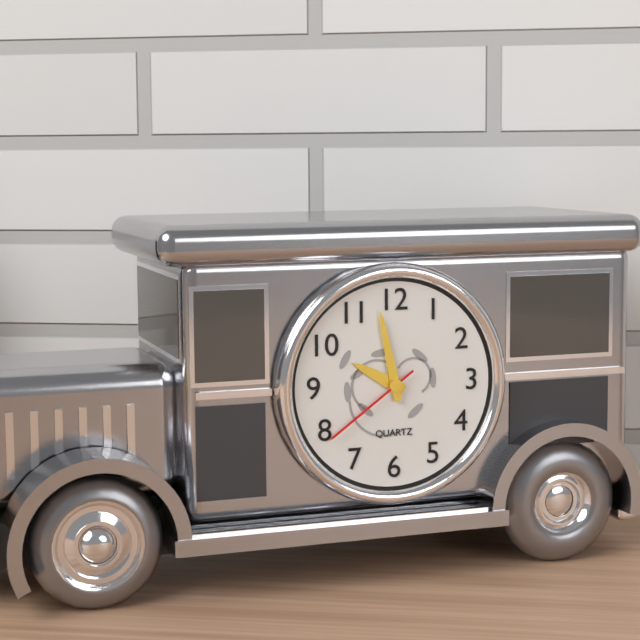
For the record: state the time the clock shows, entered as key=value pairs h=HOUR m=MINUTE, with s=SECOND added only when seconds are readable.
h=9 m=58 s=39
